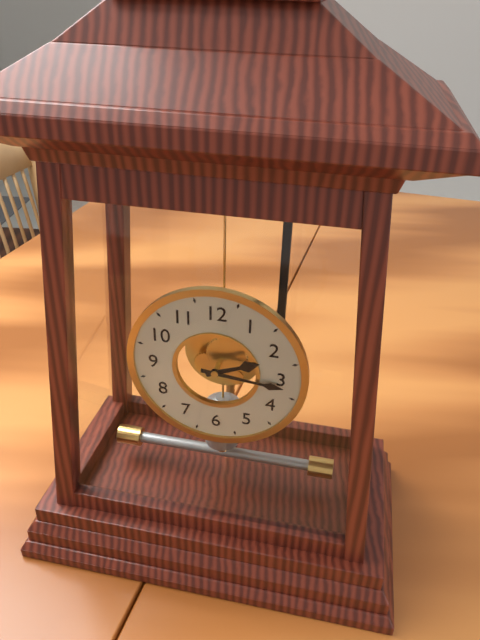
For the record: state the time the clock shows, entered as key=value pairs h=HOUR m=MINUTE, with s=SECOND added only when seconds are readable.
h=2 m=16
